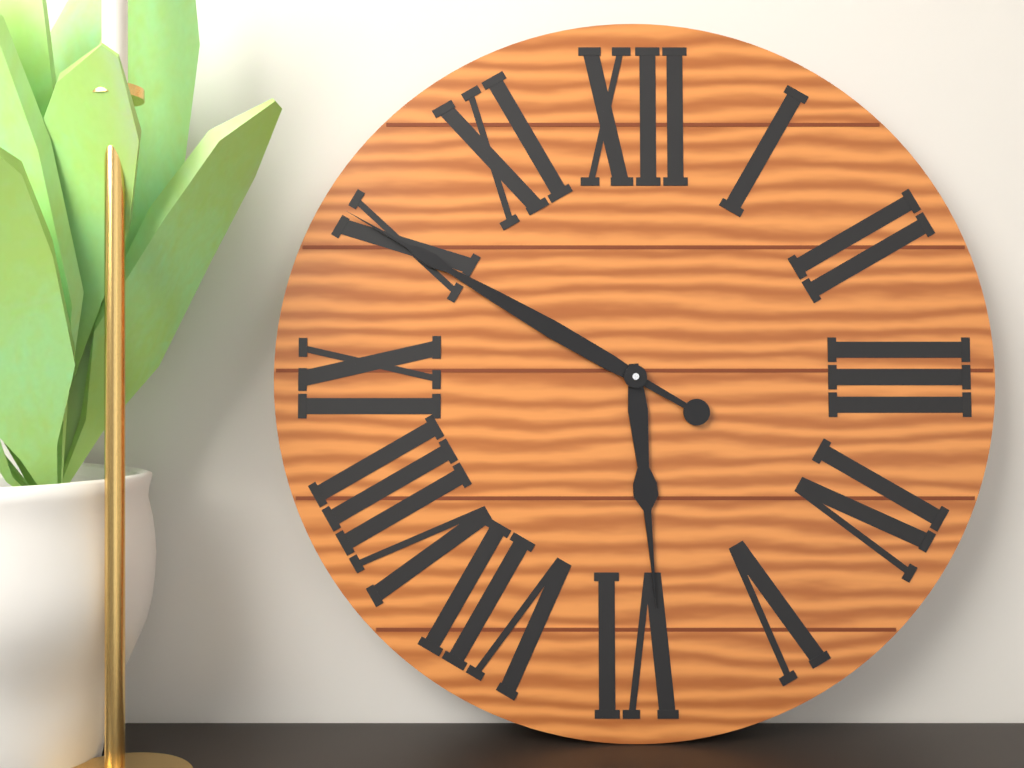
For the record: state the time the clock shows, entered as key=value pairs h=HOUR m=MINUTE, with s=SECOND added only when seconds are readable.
h=5 m=50
